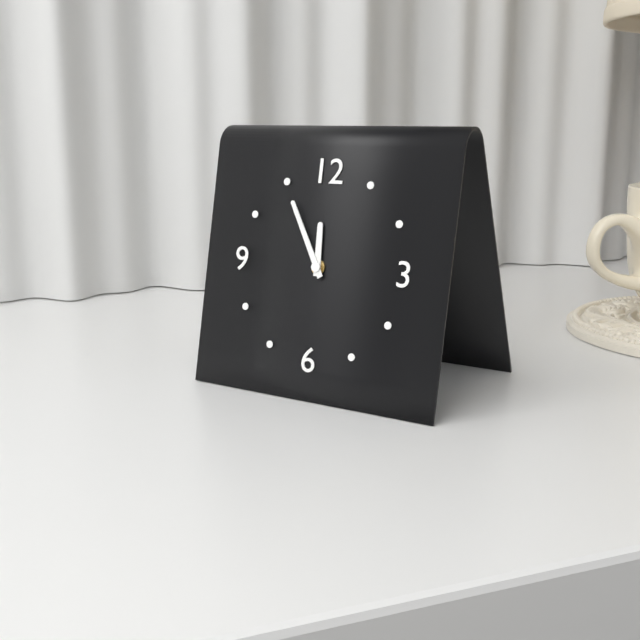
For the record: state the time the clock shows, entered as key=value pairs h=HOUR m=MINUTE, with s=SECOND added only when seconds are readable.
h=11 m=55
